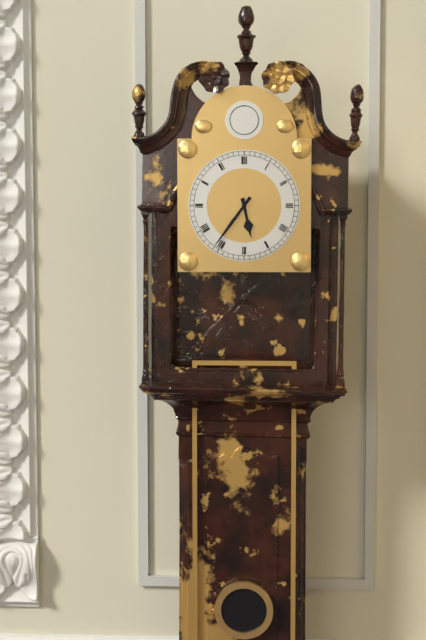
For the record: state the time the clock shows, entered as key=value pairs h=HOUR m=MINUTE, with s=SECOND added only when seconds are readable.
h=5 m=36
